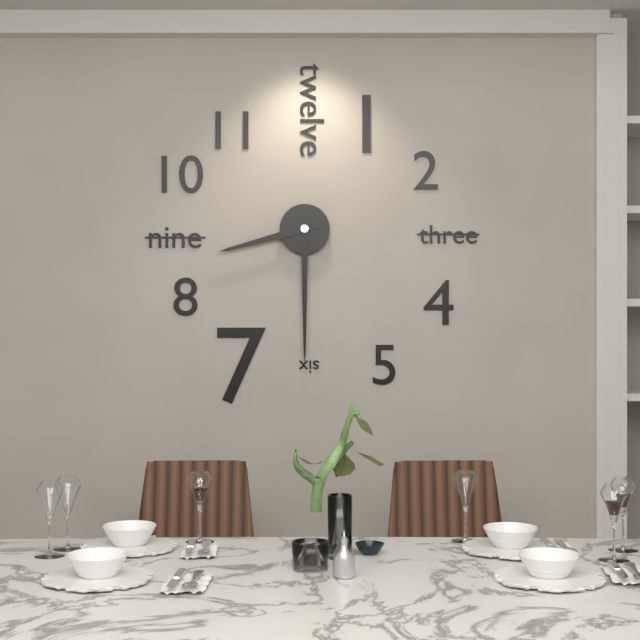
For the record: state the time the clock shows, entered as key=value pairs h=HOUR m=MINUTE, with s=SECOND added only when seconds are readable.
h=8 m=30
